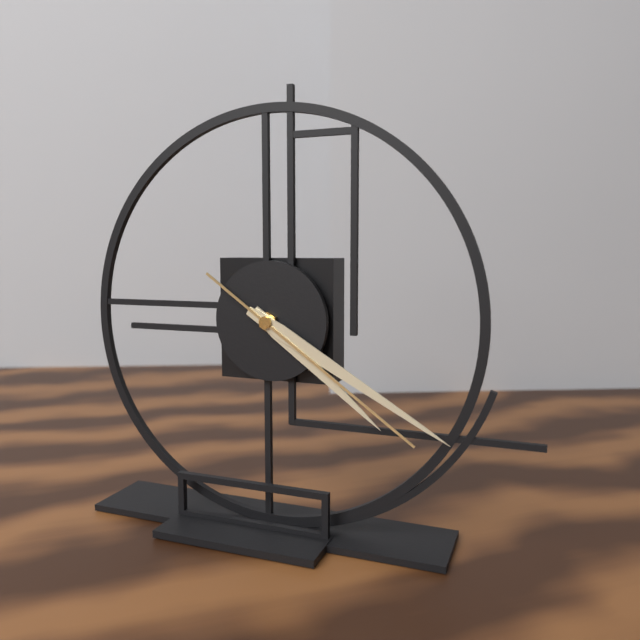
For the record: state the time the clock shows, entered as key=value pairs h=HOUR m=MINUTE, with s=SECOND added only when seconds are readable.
h=4 m=20 s=21
